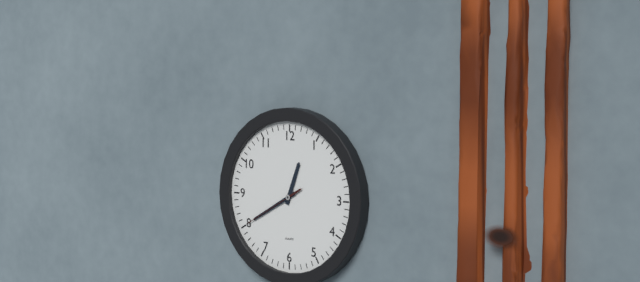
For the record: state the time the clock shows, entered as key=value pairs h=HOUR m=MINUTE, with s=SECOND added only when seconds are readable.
h=12 m=40 s=40
